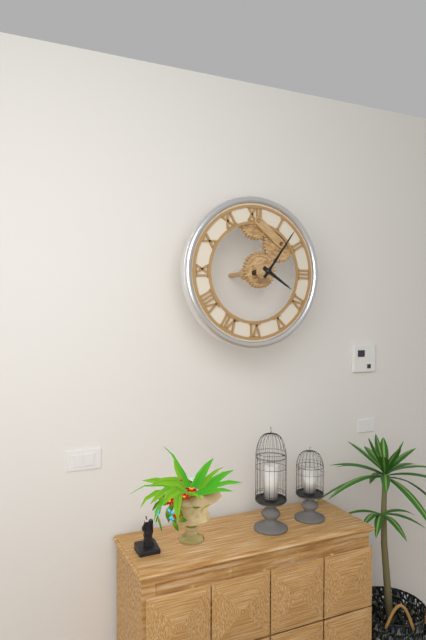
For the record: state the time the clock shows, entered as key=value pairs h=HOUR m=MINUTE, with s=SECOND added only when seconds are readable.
h=4 m=6
